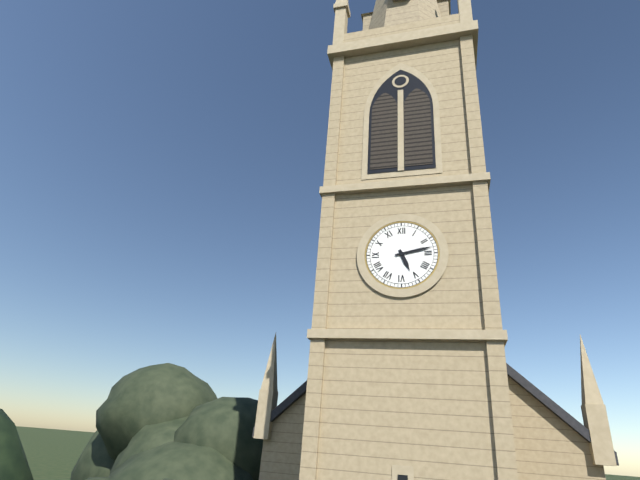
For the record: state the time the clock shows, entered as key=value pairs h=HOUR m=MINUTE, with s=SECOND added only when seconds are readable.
h=5 m=13
